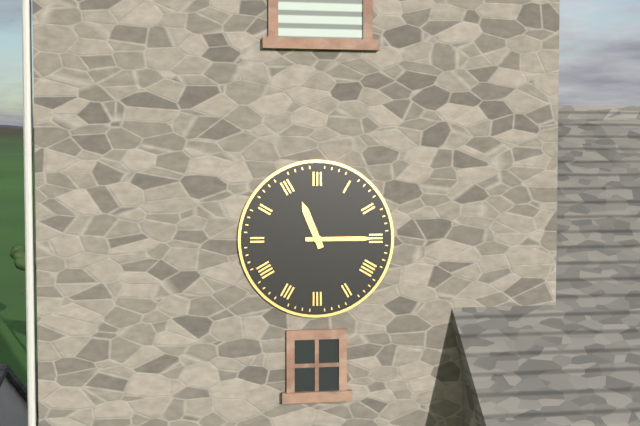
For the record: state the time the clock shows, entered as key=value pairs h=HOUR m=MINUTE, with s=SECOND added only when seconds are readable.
h=11 m=15
